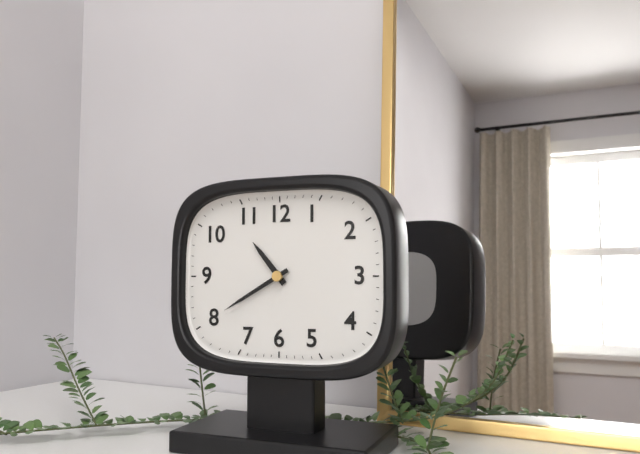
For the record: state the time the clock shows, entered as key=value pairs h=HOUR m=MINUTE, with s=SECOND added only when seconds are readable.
h=10 m=40
